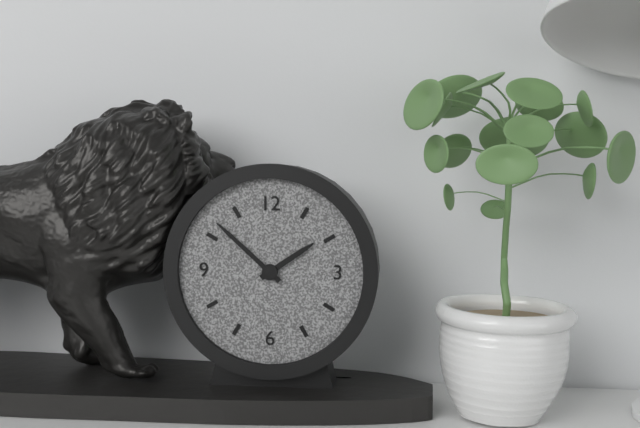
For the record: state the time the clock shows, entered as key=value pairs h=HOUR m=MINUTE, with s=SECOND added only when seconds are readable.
h=1 m=52
